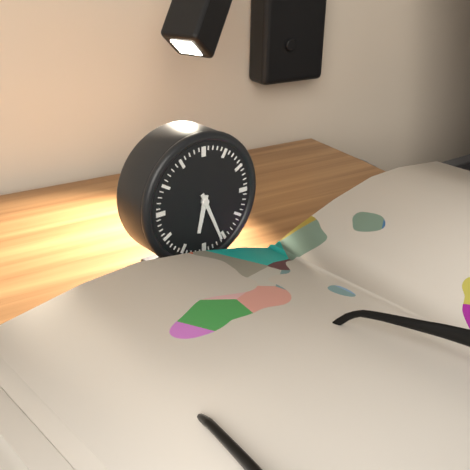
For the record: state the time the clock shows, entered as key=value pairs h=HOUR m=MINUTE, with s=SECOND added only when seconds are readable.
h=6 m=26
